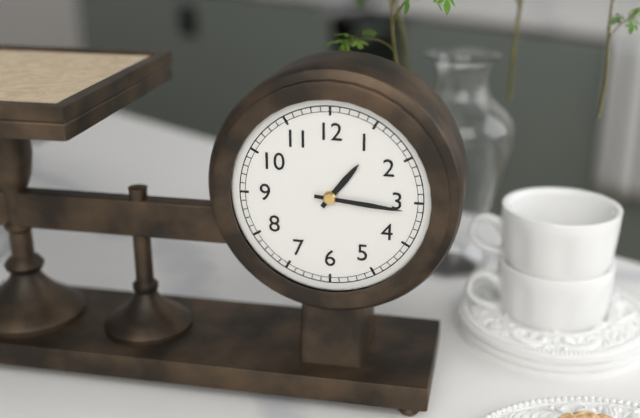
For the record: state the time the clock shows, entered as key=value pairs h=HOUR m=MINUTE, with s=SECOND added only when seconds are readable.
h=1 m=16
